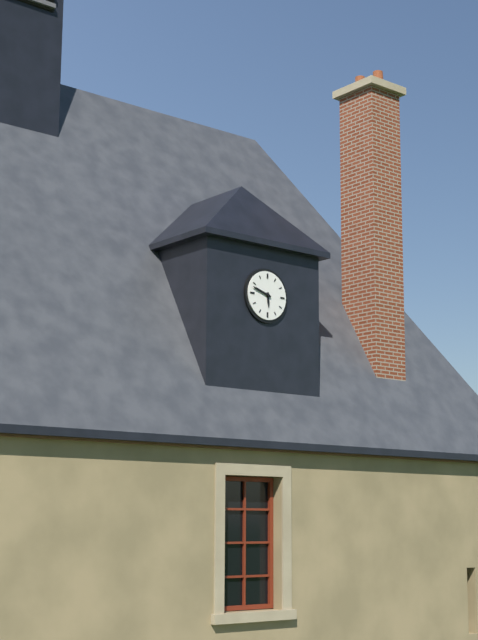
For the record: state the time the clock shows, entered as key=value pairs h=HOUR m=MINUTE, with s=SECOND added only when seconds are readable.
h=5 m=48
